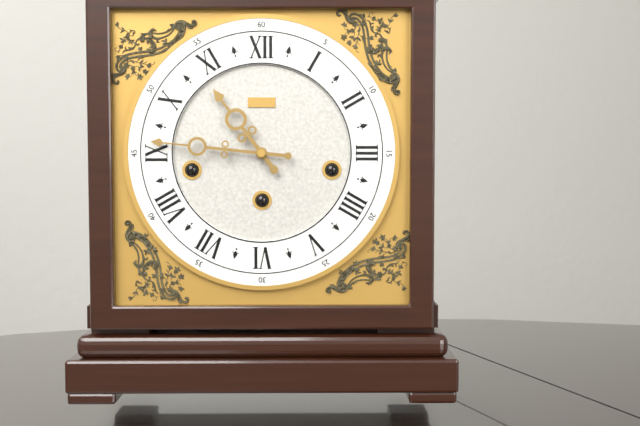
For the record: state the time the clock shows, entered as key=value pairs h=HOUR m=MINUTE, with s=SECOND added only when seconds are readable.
h=10 m=46
